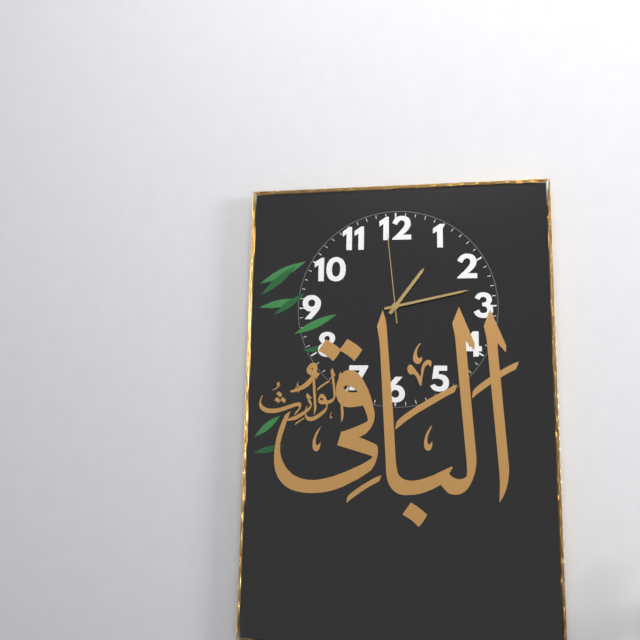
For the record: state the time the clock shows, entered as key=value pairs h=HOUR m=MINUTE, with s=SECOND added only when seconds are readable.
h=1 m=13 s=59
